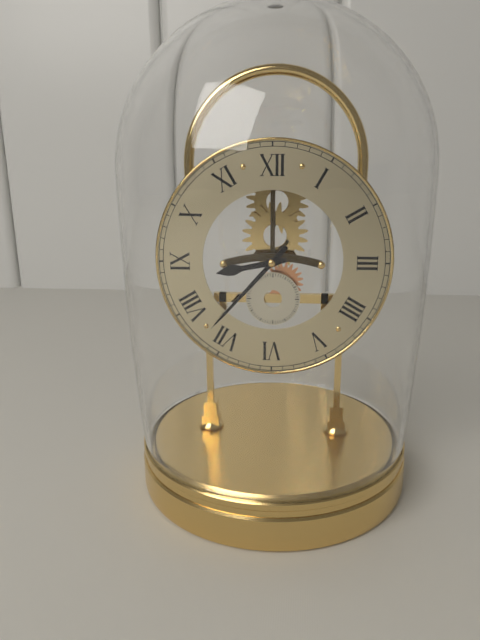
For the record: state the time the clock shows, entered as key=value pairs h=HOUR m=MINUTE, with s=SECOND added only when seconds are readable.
h=8 m=37
